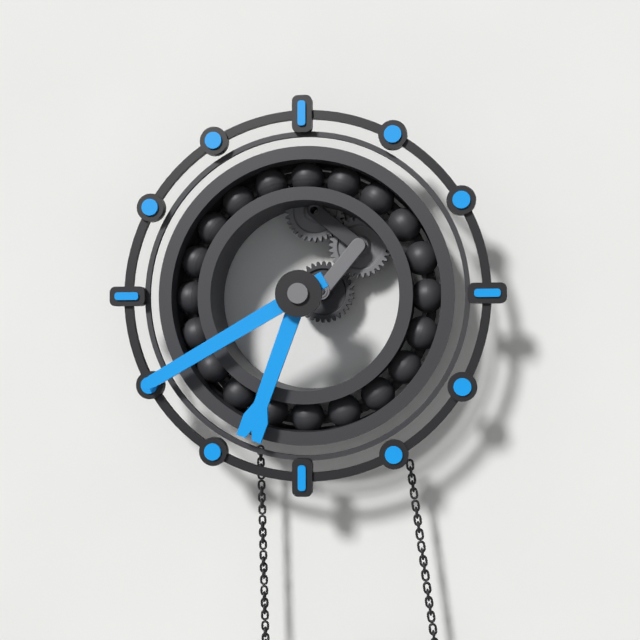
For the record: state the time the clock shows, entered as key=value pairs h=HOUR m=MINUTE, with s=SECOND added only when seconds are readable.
h=6 m=40
